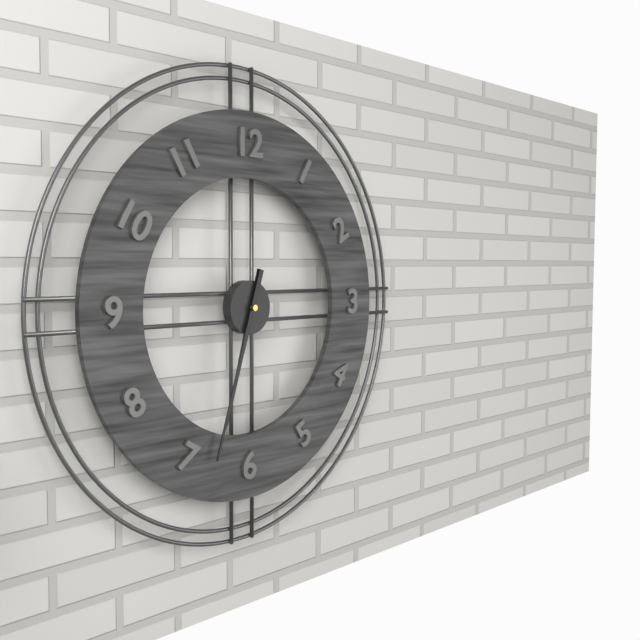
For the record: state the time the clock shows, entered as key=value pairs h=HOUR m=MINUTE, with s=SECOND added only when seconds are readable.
h=6 m=33
